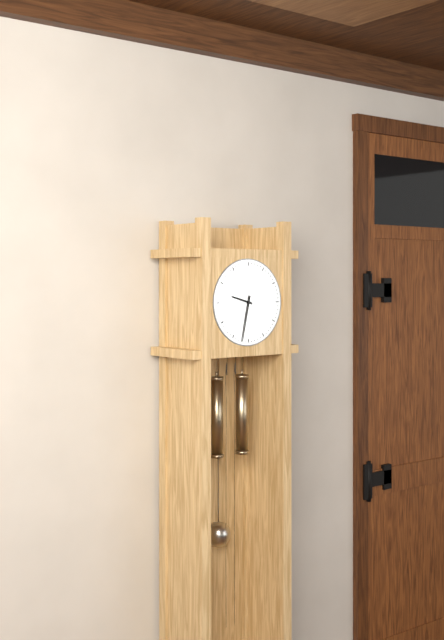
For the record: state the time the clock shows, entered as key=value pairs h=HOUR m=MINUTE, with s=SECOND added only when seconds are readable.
h=9 m=32
